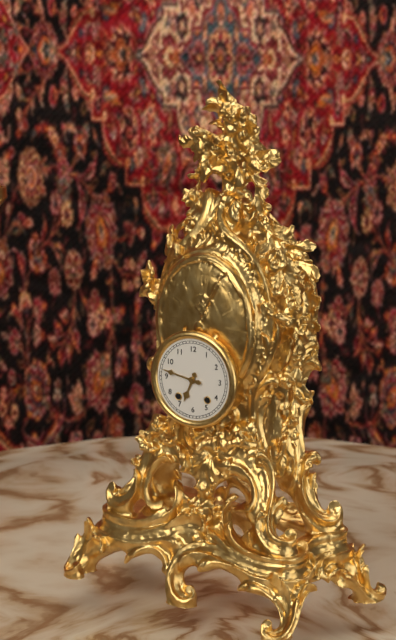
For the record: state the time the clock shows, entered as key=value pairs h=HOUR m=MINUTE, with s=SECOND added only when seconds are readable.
h=6 m=47
